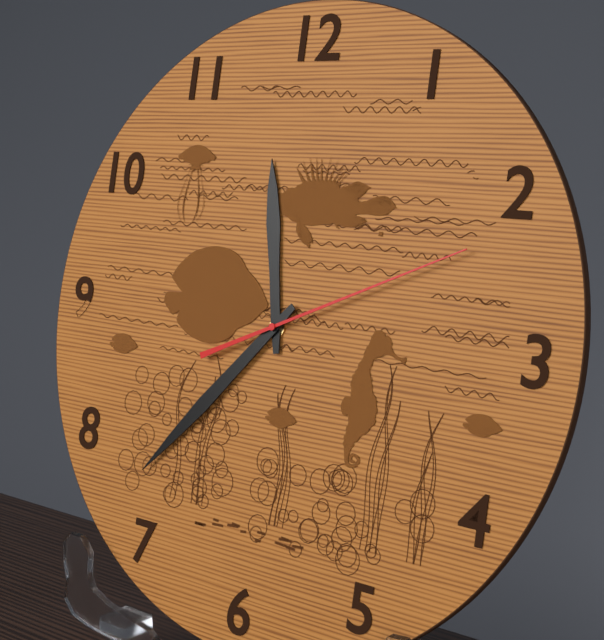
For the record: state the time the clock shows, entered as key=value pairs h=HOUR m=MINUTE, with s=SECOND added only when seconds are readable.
h=11 m=37 s=11
